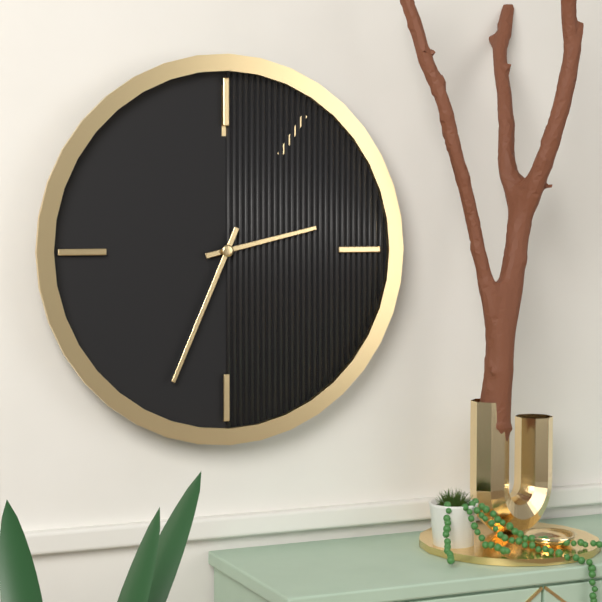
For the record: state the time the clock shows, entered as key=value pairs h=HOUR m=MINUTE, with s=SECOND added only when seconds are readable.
h=2 m=34
